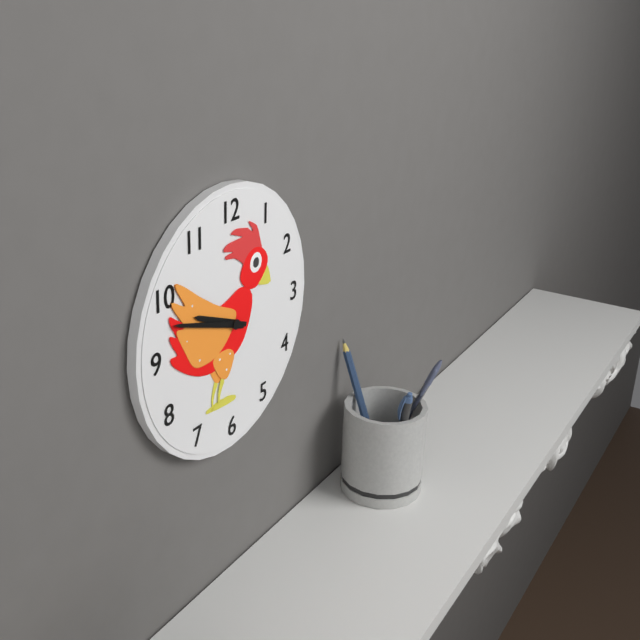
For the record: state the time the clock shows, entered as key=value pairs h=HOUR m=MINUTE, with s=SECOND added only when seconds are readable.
h=9 m=48
